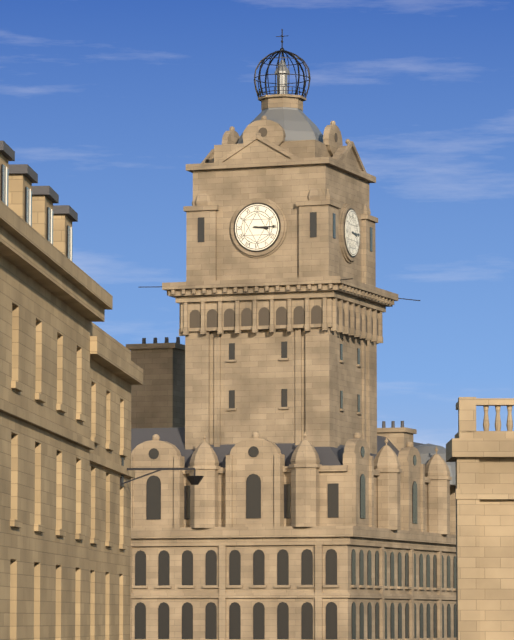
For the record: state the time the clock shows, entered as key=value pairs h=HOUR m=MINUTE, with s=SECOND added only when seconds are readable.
h=3 m=15
